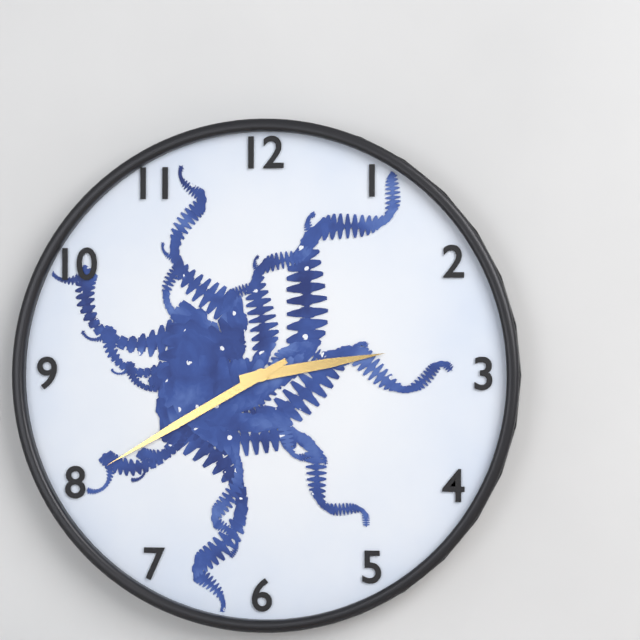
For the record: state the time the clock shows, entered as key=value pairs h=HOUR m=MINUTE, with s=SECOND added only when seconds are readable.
h=2 m=40
